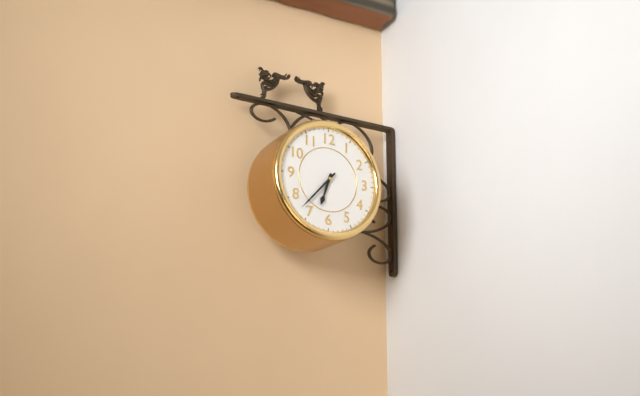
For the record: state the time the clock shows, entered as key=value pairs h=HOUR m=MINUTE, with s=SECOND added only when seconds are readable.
h=6 m=37
